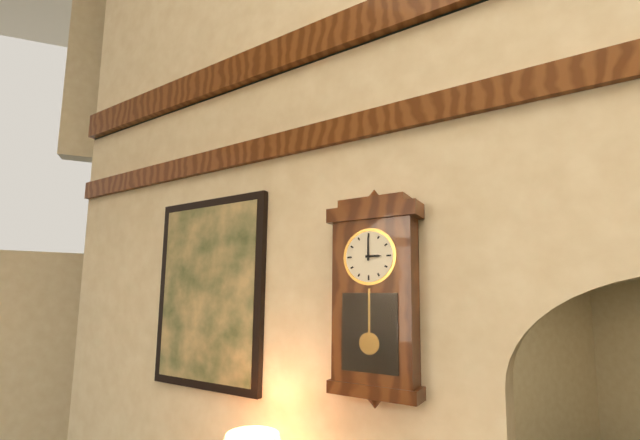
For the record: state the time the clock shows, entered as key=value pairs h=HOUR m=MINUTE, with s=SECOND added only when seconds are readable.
h=3 m=0
